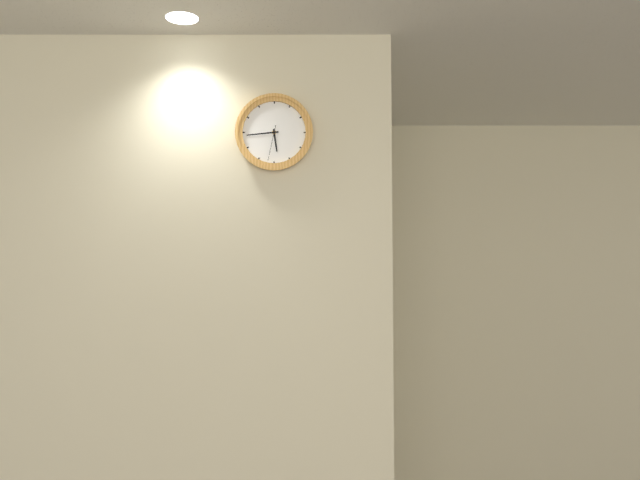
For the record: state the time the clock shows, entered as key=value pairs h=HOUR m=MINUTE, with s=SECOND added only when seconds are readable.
h=5 m=44
